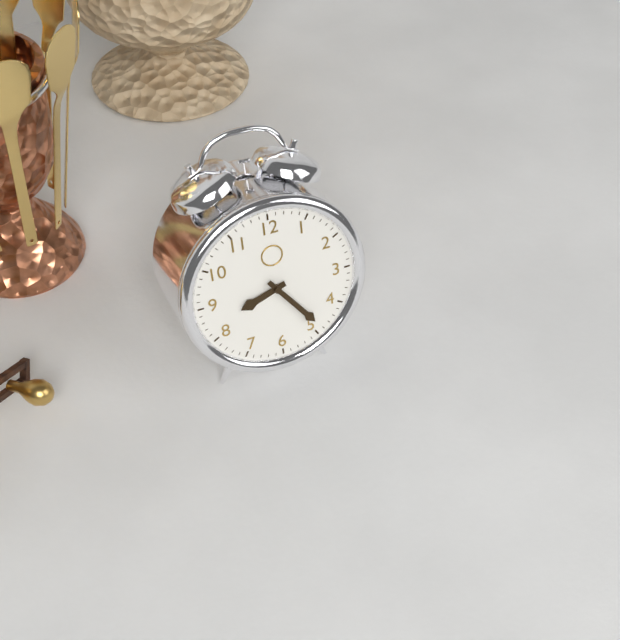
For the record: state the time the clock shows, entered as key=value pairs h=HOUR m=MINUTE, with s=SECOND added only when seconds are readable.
h=8 m=24
